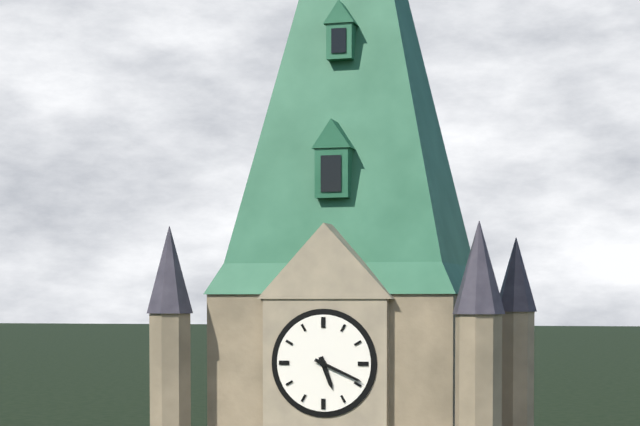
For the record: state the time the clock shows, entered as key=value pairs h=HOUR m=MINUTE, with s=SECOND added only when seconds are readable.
h=5 m=19
